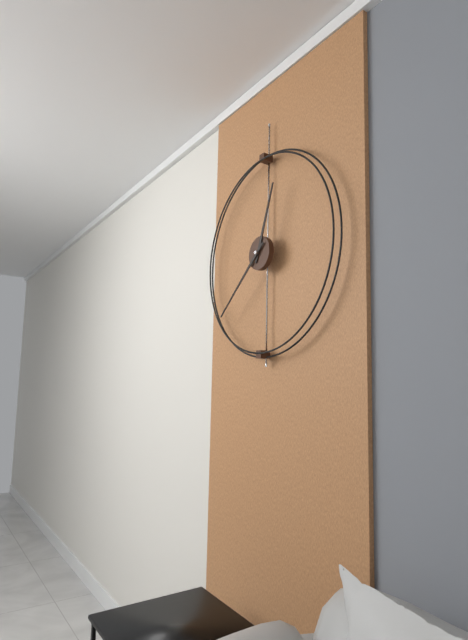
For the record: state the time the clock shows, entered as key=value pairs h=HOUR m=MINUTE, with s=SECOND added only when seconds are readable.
h=12 m=38
